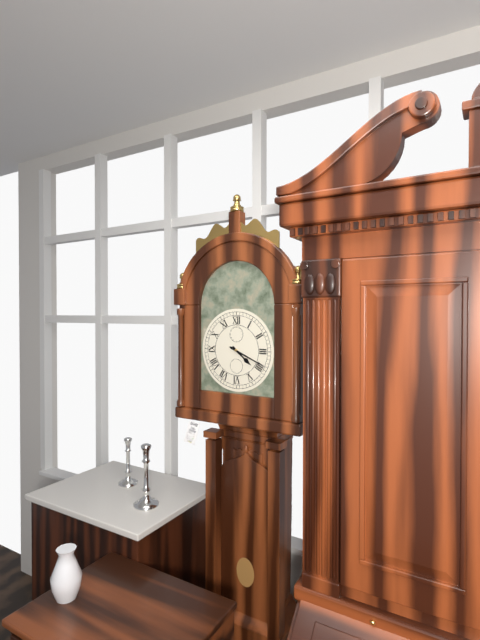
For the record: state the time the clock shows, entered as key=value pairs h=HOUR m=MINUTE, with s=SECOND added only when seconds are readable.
h=4 m=19
